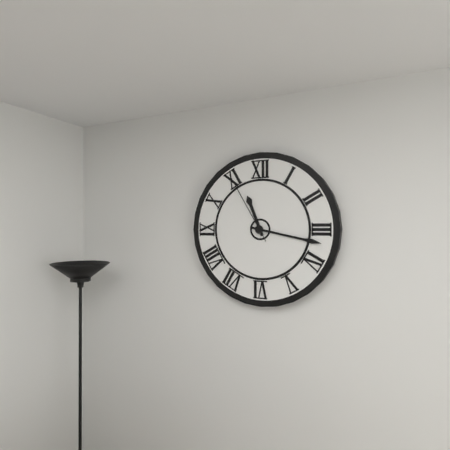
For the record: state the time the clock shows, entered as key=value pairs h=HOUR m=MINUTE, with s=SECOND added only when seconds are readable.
h=11 m=17 s=55
